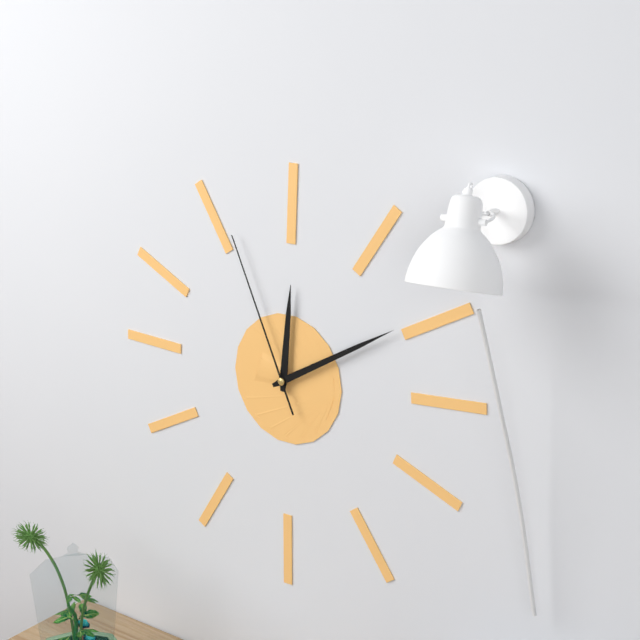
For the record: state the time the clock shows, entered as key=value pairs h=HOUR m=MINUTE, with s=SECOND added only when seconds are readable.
h=12 m=10 s=56
